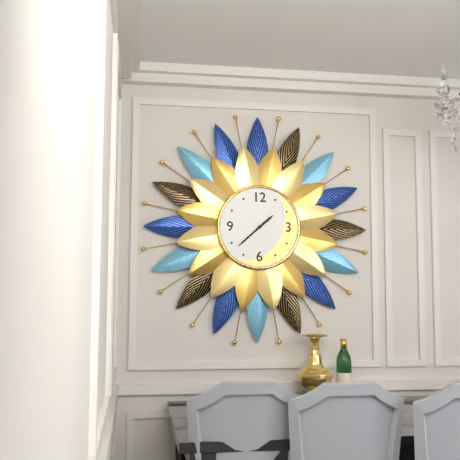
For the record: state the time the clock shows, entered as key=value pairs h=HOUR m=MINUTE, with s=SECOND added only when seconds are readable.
h=1 m=38
